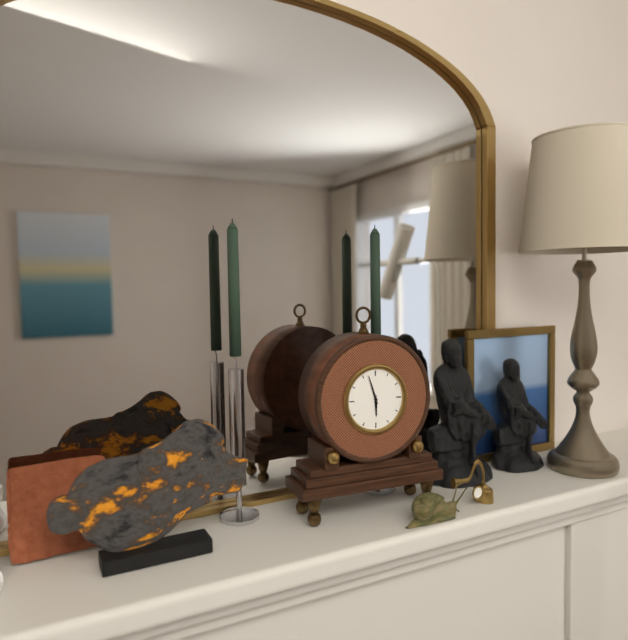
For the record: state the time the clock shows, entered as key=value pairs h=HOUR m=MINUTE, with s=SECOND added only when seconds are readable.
h=5 m=57
